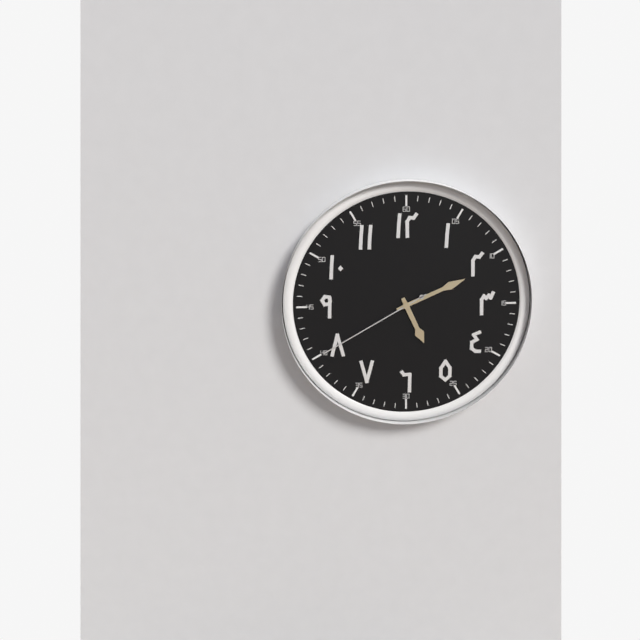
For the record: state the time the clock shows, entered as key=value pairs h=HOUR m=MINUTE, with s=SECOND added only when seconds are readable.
h=5 m=11 s=40
